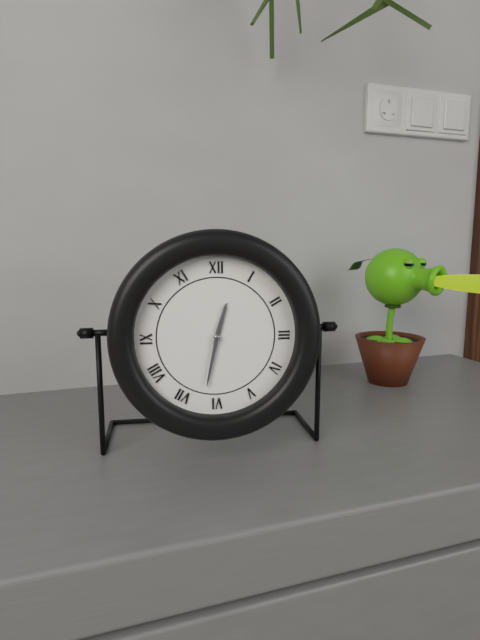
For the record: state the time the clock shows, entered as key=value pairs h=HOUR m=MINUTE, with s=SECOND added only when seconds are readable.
h=12 m=32
